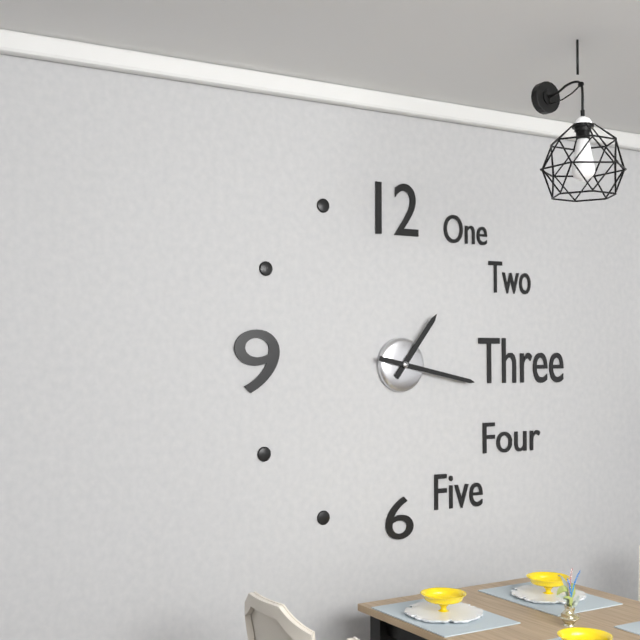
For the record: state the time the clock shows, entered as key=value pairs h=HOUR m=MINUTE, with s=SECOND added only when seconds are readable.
h=1 m=17
